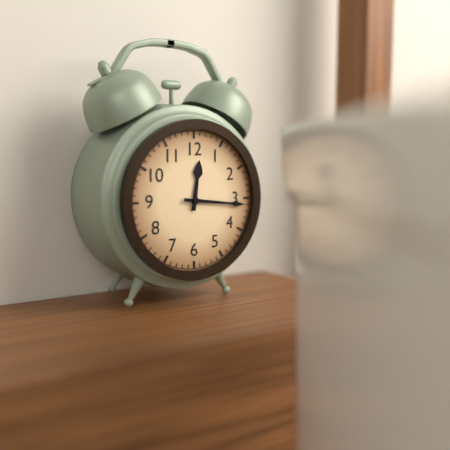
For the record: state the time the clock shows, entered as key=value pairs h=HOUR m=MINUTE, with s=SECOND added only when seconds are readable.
h=12 m=16
